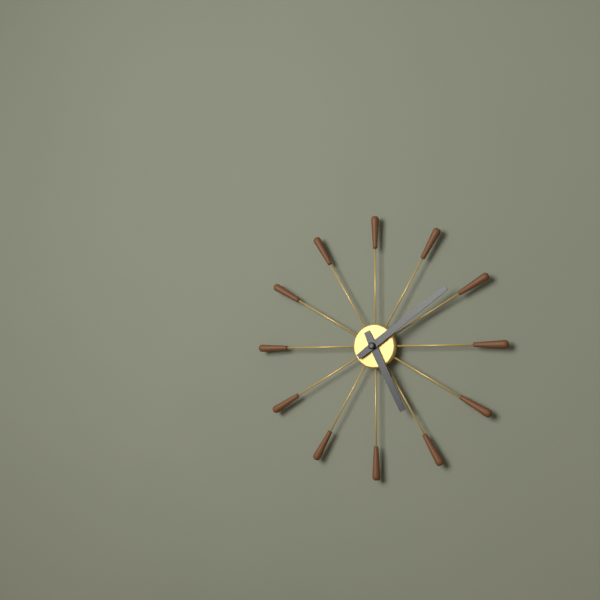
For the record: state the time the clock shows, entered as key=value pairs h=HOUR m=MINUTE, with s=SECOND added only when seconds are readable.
h=5 m=9
